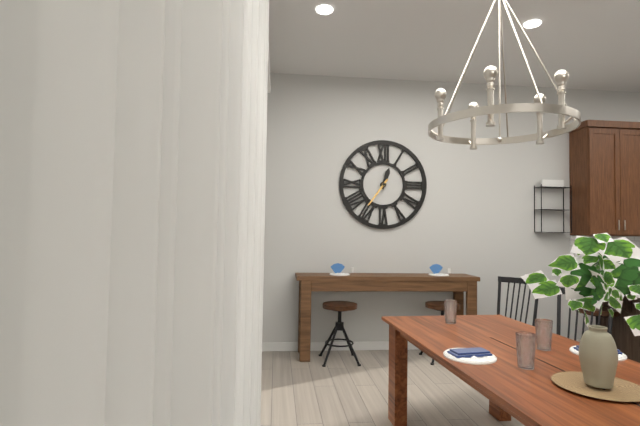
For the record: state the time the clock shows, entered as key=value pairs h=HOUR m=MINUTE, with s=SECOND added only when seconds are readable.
h=12 m=36
